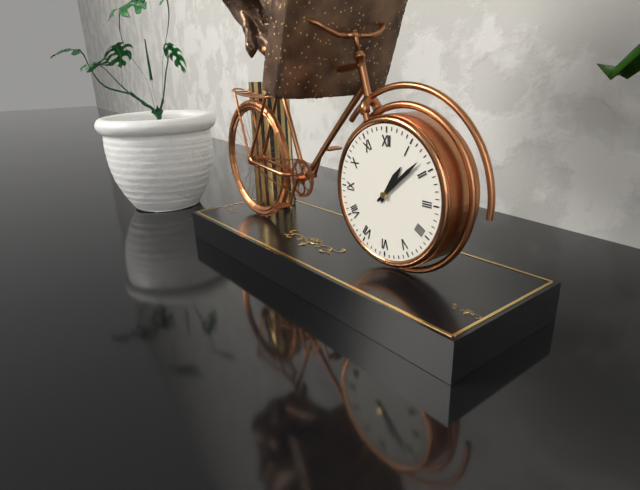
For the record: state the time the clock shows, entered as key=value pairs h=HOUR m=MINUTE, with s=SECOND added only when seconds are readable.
h=1 m=8
